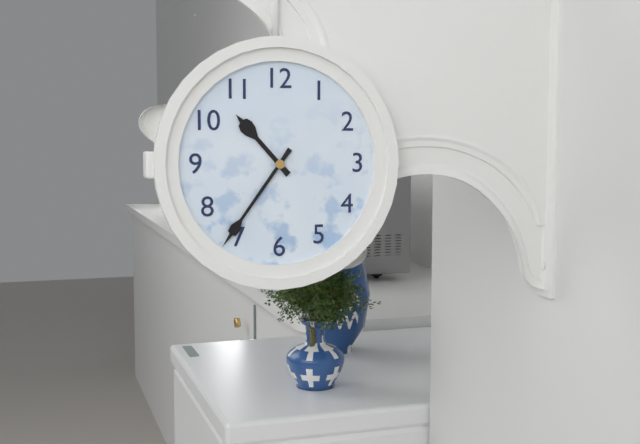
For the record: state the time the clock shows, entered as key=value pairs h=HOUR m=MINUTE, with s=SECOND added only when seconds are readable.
h=10 m=36
